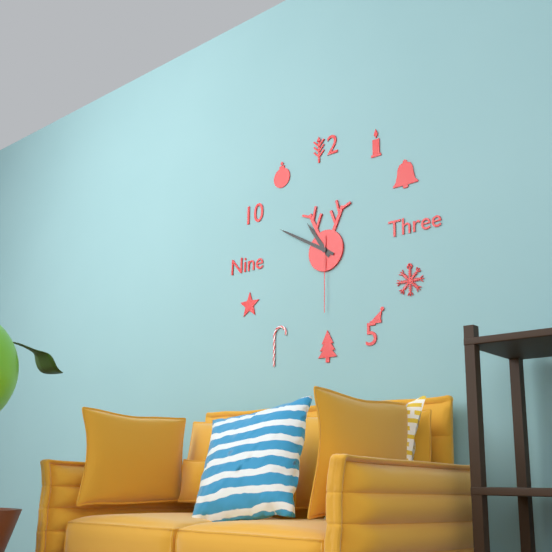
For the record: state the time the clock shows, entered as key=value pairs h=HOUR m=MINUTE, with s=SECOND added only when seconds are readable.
h=10 m=50 s=30
